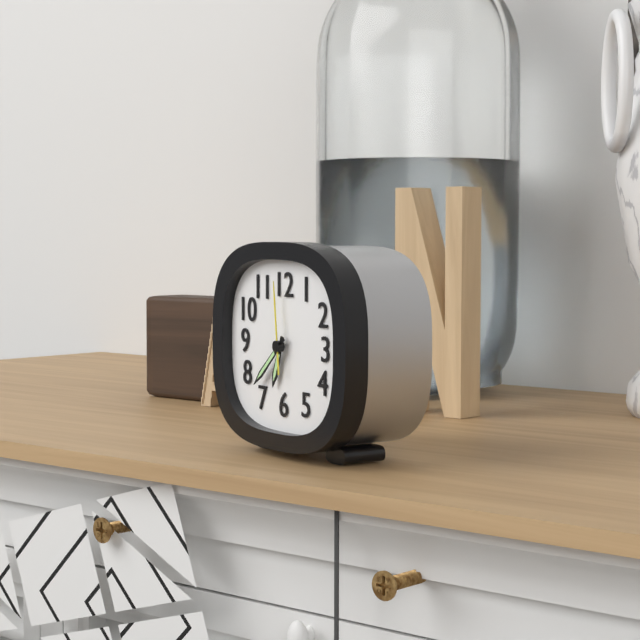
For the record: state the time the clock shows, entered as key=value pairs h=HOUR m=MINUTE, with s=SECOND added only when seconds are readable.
h=6 m=38 s=59
